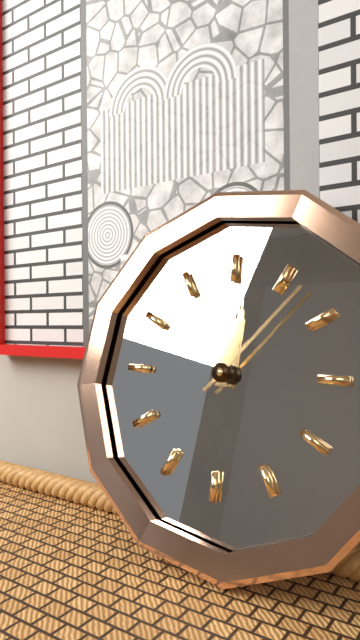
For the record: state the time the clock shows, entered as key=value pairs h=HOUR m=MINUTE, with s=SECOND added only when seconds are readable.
h=12 m=7
